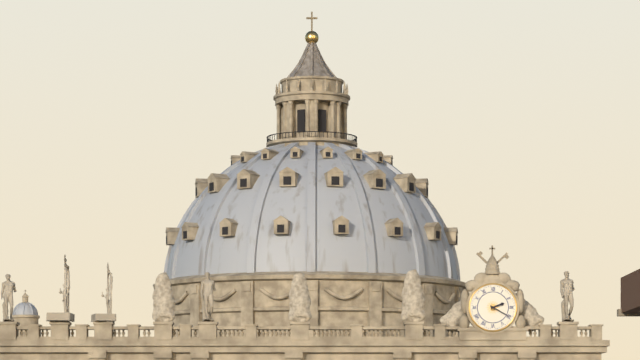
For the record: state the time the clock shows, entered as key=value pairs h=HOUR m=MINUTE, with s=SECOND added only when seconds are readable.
h=2 m=20
